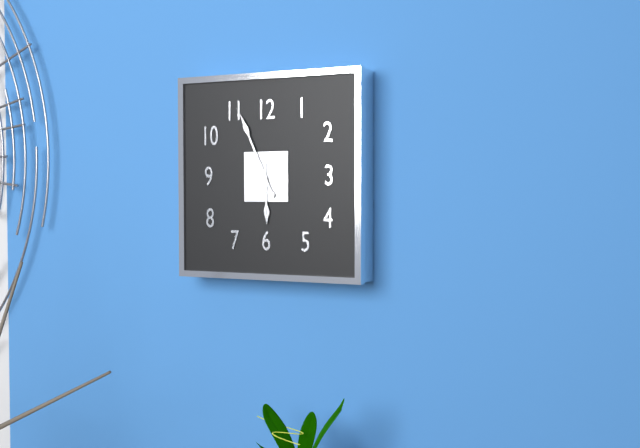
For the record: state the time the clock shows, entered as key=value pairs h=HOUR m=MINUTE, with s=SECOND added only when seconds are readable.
h=5 m=56
